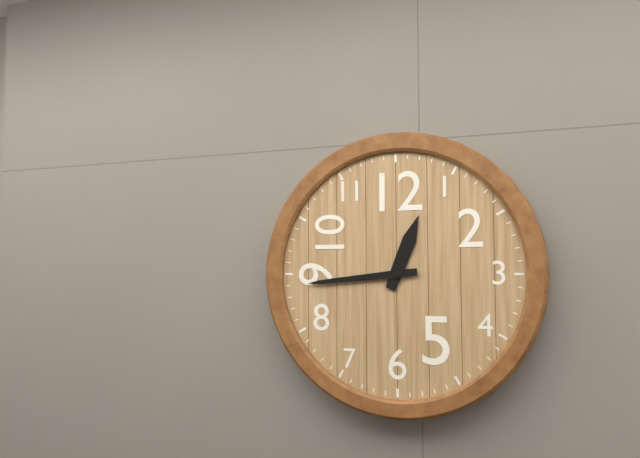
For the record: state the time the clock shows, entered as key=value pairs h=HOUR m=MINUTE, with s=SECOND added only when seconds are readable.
h=12 m=44
